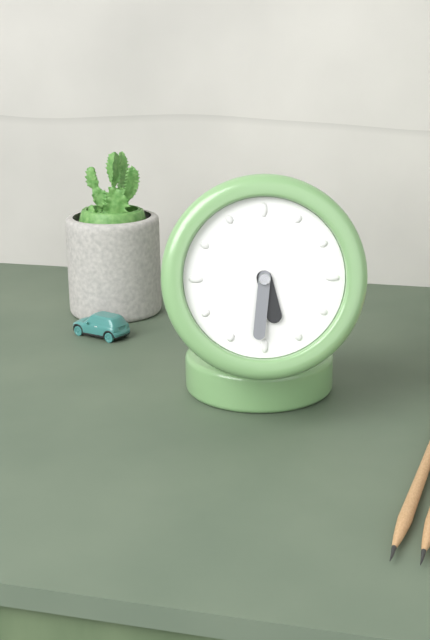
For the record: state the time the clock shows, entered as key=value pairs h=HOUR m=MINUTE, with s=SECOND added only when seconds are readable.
h=5 m=31
